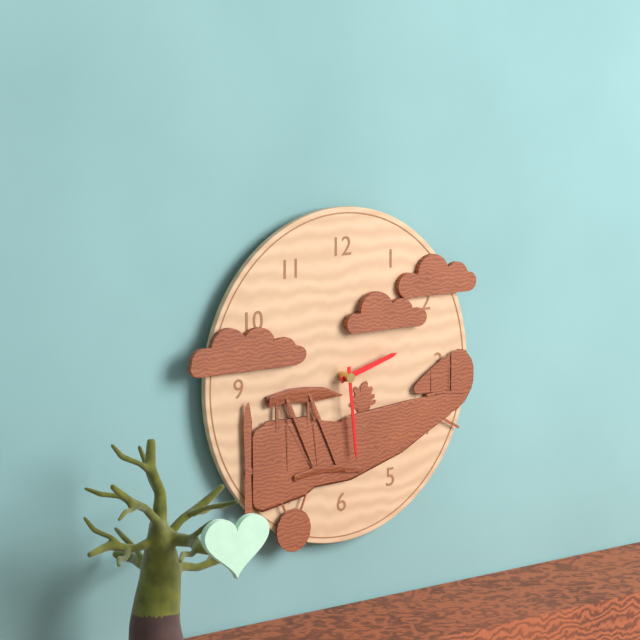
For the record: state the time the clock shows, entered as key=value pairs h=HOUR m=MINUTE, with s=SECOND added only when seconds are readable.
h=2 m=29
